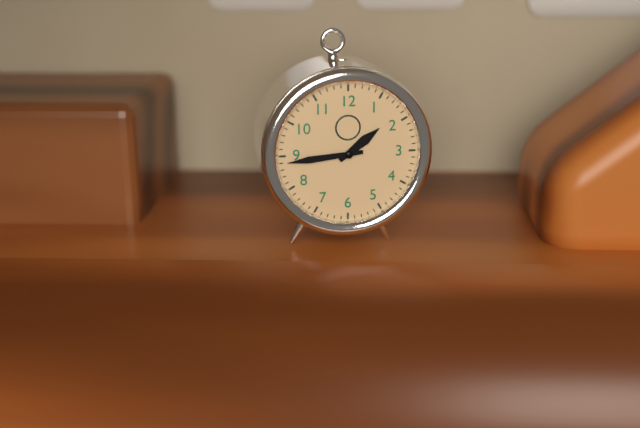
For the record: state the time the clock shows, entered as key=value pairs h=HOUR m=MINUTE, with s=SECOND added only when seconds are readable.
h=1 m=44
